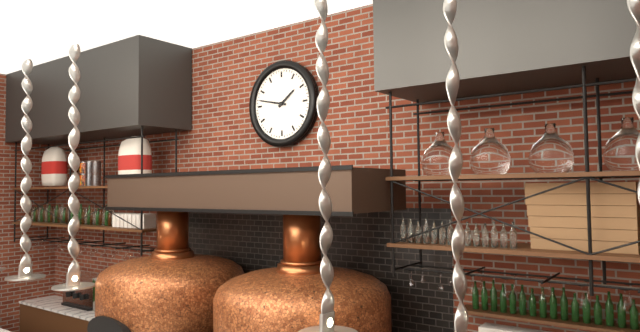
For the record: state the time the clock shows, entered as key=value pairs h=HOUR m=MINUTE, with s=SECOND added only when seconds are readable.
h=1 m=47
